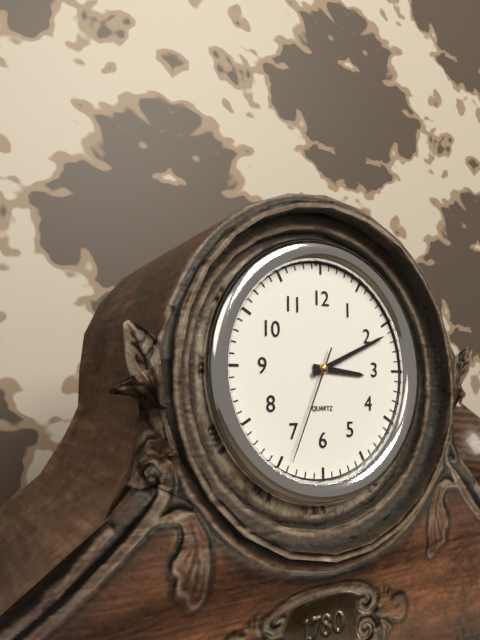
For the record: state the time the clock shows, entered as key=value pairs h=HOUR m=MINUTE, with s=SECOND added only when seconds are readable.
h=3 m=11 s=34
